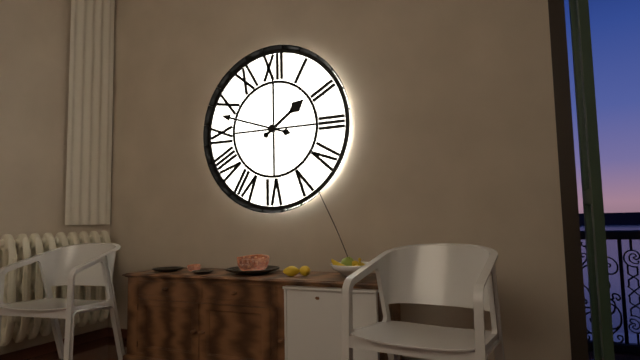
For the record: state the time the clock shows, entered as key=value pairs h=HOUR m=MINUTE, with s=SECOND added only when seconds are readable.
h=1 m=48
